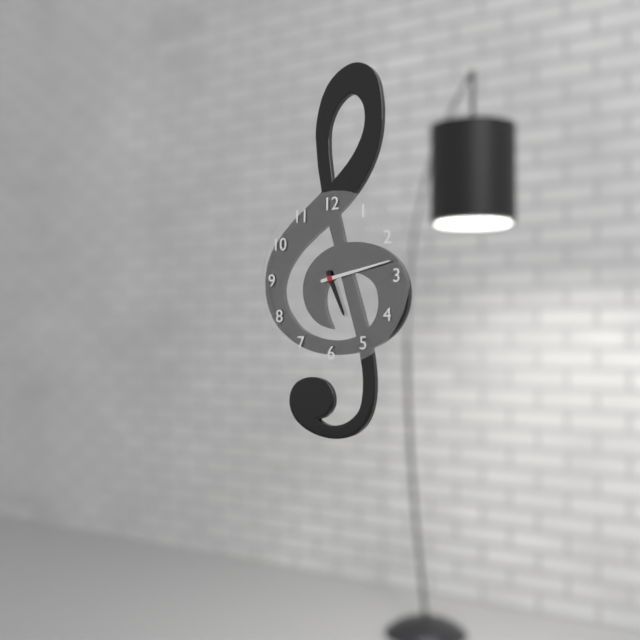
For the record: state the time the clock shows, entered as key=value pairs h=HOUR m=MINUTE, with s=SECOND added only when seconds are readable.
h=5 m=13
